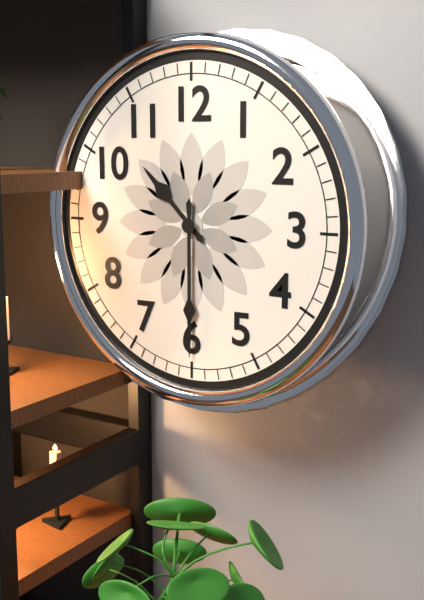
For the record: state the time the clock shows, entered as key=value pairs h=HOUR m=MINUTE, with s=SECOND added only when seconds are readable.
h=10 m=30
